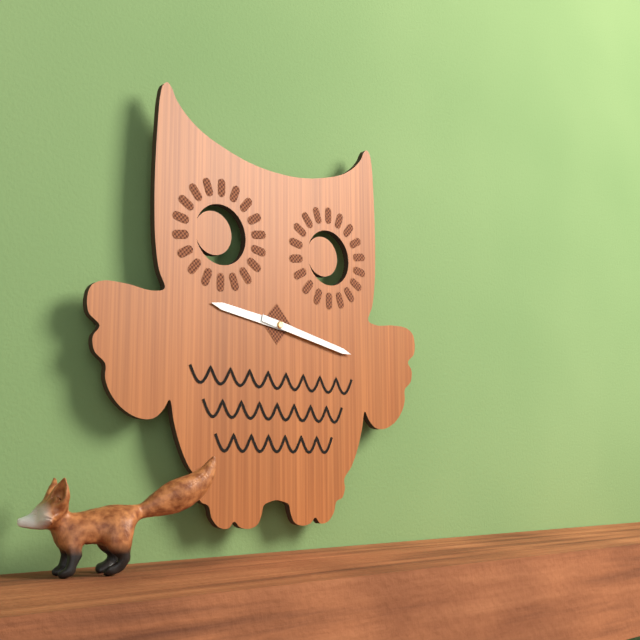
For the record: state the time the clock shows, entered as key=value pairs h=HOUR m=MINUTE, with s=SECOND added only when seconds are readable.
h=9 m=17
